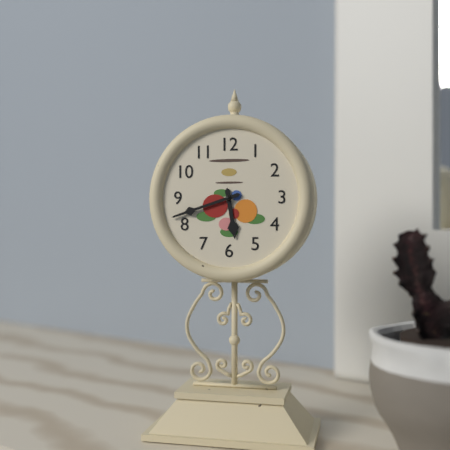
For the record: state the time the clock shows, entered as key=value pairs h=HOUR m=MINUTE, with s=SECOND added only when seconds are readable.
h=5 m=42
